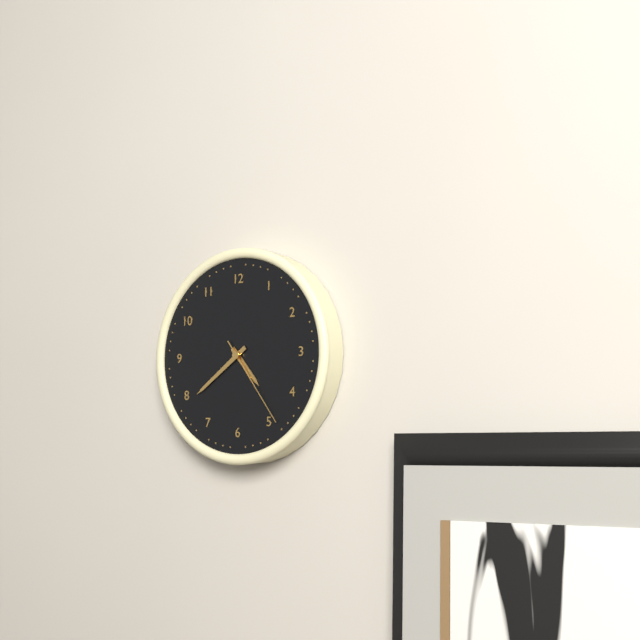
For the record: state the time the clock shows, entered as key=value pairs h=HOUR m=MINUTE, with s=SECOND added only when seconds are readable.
h=4 m=39 s=24
